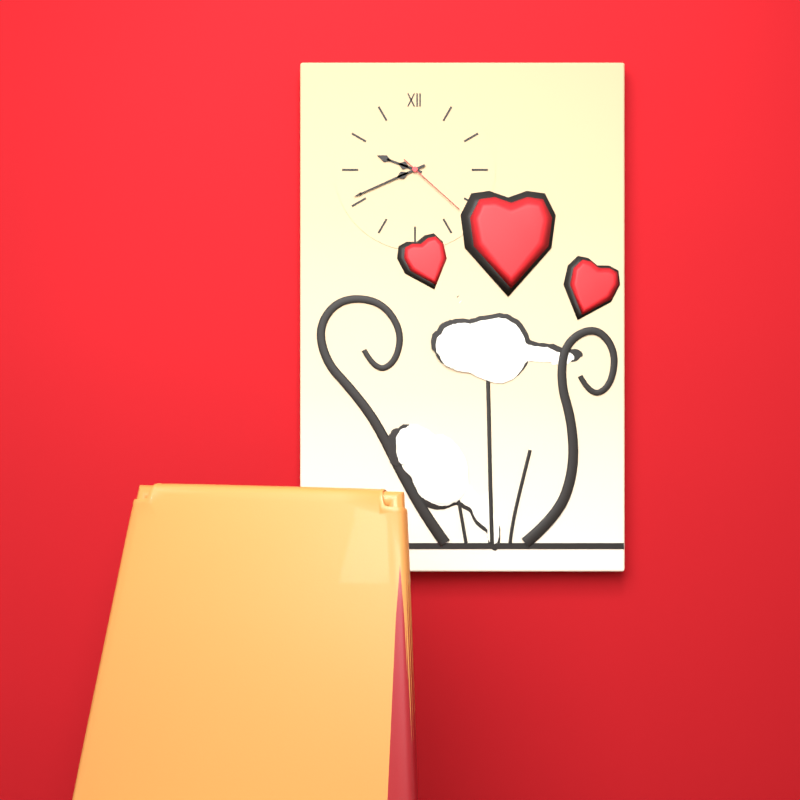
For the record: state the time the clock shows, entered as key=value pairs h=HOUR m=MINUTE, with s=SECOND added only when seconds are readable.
h=9 m=41 s=22
